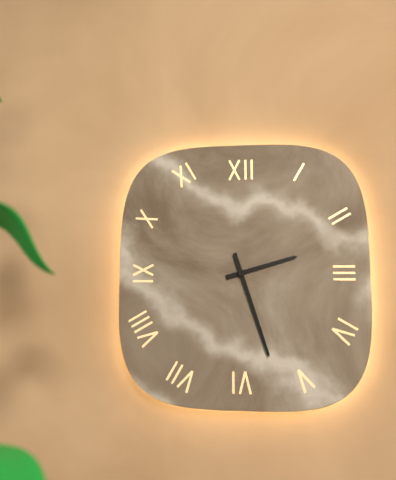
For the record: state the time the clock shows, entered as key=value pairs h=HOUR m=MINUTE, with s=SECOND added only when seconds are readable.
h=2 m=27
